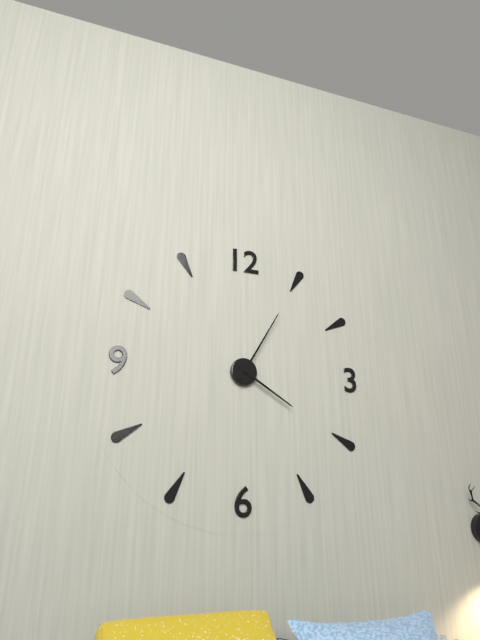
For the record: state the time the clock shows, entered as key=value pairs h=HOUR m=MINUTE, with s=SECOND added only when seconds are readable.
h=4 m=5
